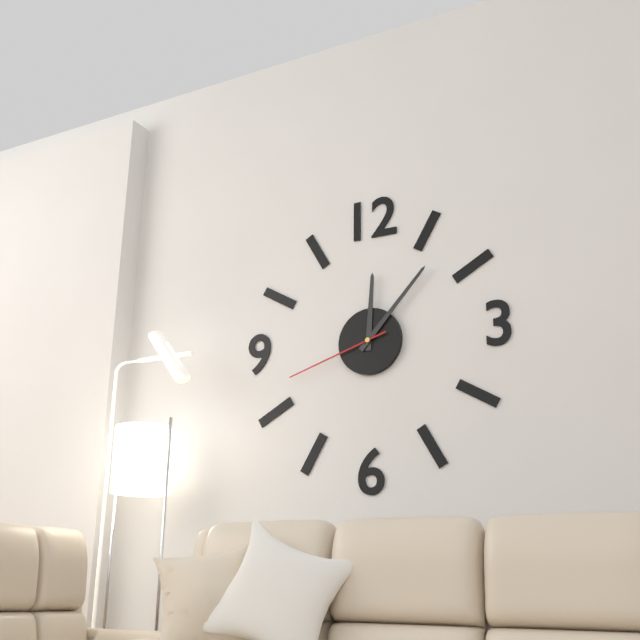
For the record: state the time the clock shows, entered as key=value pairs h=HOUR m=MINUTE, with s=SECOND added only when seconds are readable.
h=12 m=7 s=42
